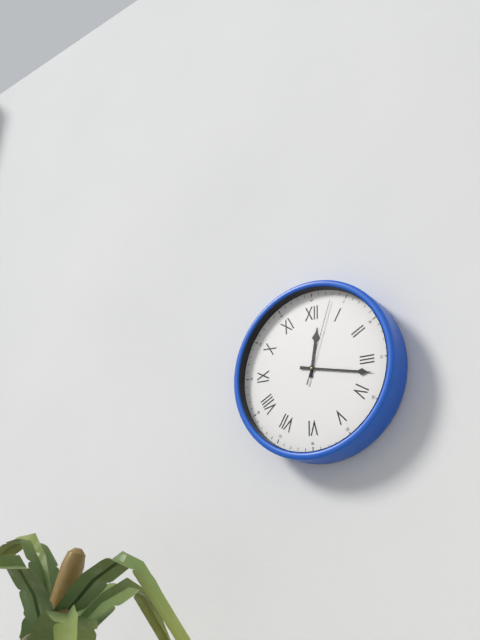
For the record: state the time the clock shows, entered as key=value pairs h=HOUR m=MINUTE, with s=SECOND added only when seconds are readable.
h=12 m=17 s=3
